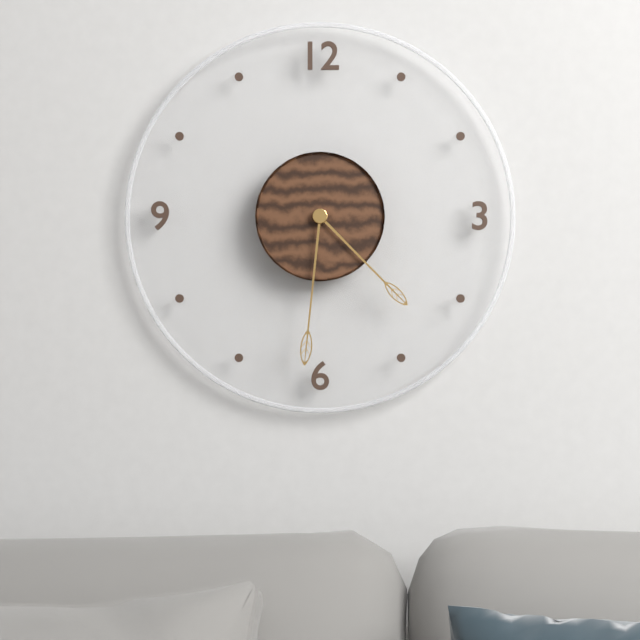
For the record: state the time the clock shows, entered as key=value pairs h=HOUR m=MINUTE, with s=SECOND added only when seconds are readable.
h=4 m=31
